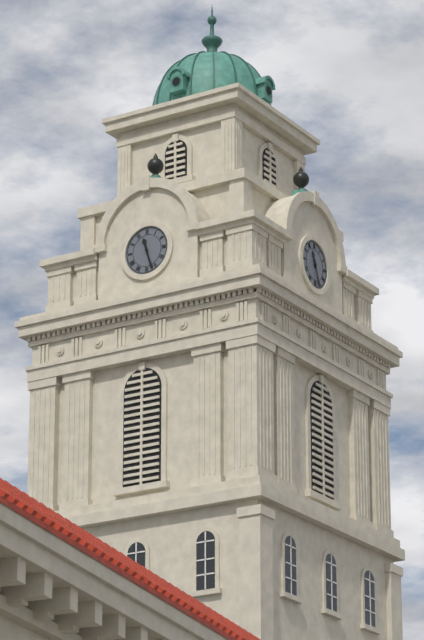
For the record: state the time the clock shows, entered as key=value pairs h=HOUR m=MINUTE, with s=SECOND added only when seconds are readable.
h=11 m=27
